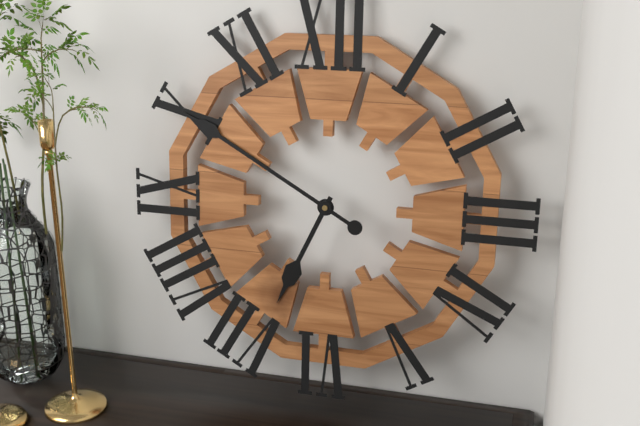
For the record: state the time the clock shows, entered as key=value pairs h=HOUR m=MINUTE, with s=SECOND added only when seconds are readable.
h=6 m=50
